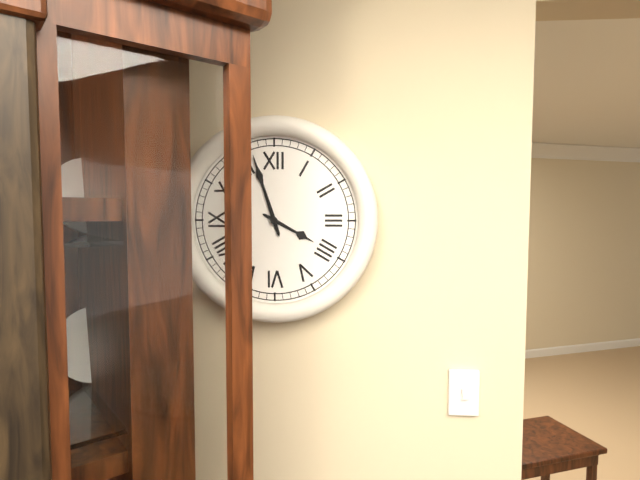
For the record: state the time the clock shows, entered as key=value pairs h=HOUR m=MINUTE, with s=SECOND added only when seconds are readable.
h=3 m=57
